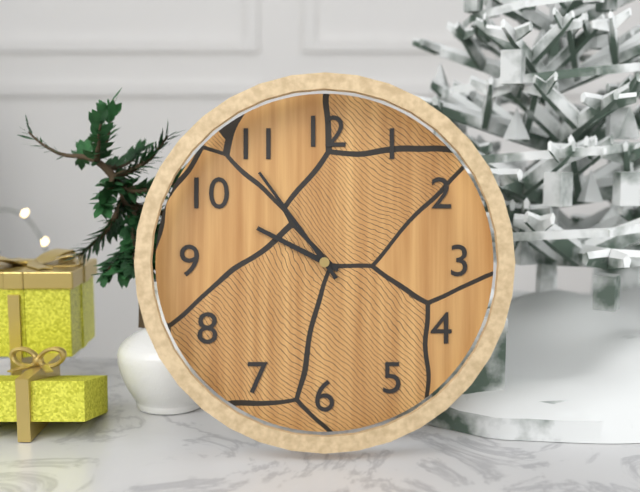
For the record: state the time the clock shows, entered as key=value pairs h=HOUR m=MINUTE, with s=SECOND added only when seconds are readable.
h=9 m=54
